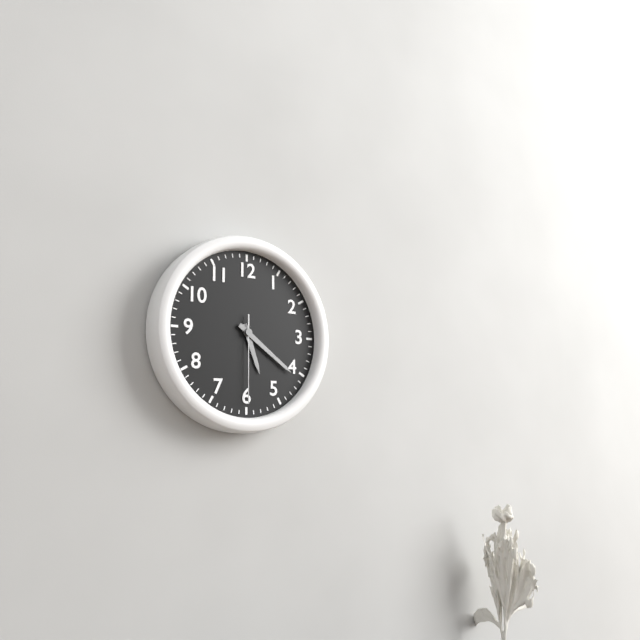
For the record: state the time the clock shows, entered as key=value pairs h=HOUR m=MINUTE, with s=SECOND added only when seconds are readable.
h=5 m=21 s=30
